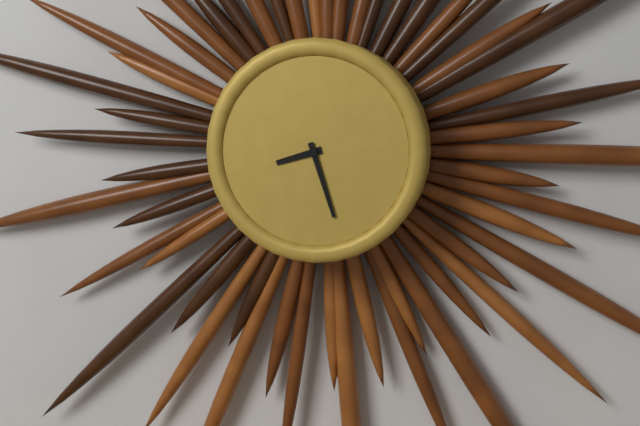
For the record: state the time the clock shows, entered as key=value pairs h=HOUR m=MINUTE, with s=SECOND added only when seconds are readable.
h=8 m=27
